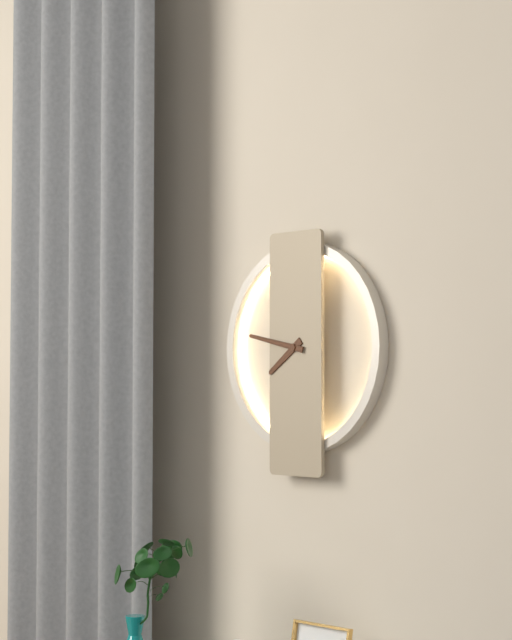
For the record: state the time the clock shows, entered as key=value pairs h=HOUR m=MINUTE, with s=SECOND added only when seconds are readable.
h=7 m=47
